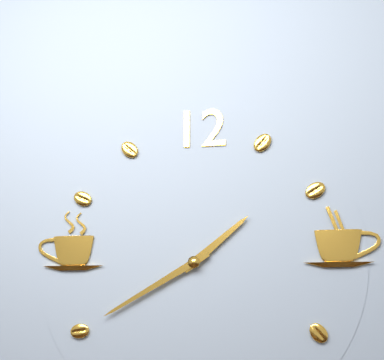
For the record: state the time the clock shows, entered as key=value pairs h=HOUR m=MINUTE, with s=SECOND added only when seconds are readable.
h=1 m=40
